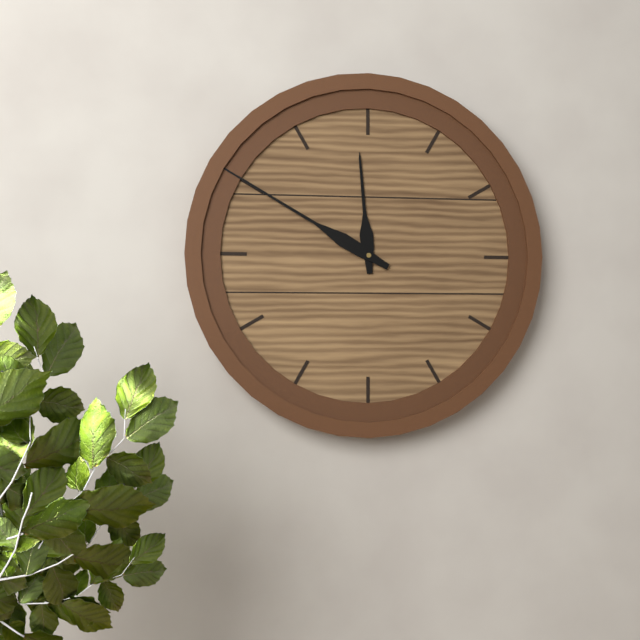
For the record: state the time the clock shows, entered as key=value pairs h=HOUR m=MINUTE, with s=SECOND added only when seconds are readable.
h=11 m=50
